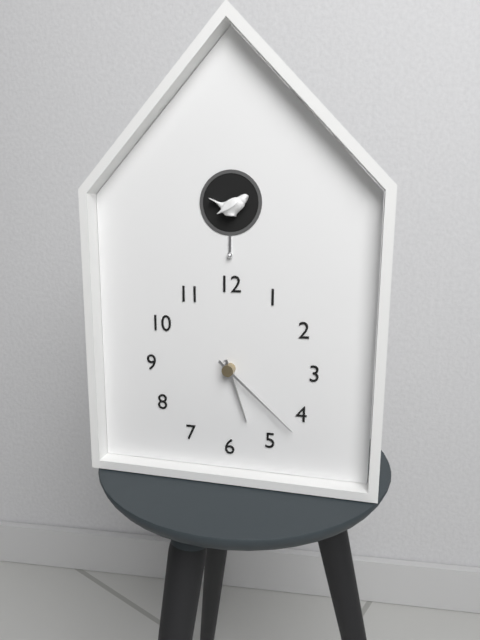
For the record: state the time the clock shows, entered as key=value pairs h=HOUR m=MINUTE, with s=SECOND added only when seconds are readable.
h=5 m=22
